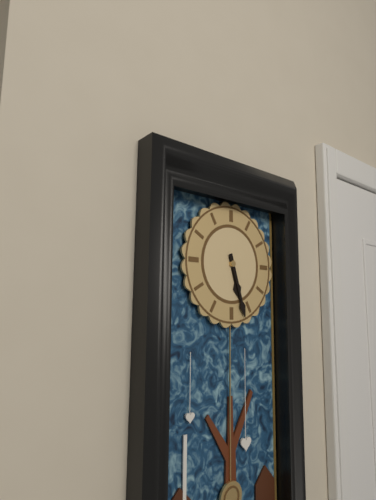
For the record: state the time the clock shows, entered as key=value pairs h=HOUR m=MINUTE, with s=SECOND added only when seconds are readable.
h=5 m=27
